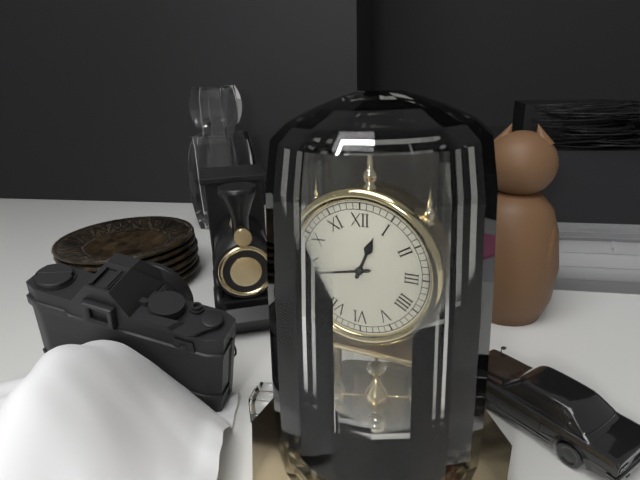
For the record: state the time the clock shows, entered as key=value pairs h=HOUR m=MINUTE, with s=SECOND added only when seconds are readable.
h=12 m=43
